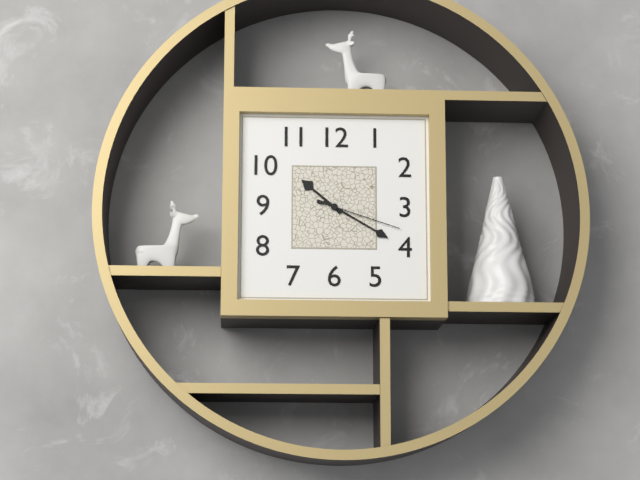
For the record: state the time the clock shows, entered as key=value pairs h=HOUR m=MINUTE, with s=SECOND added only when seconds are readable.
h=10 m=20 s=18
